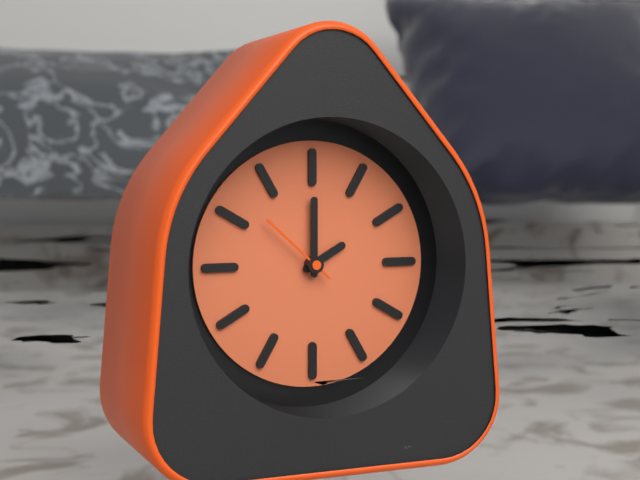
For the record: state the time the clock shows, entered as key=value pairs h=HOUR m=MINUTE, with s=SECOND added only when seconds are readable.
h=2 m=0 s=52
